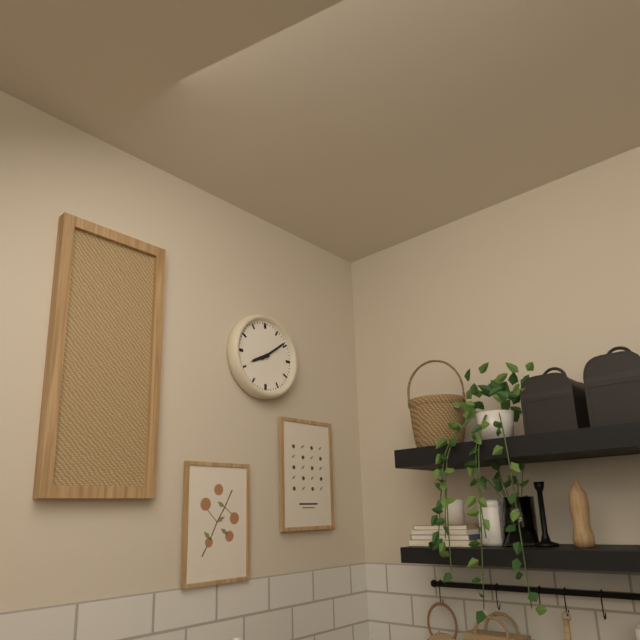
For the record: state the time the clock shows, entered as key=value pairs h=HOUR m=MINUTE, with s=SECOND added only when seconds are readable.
h=8 m=9
